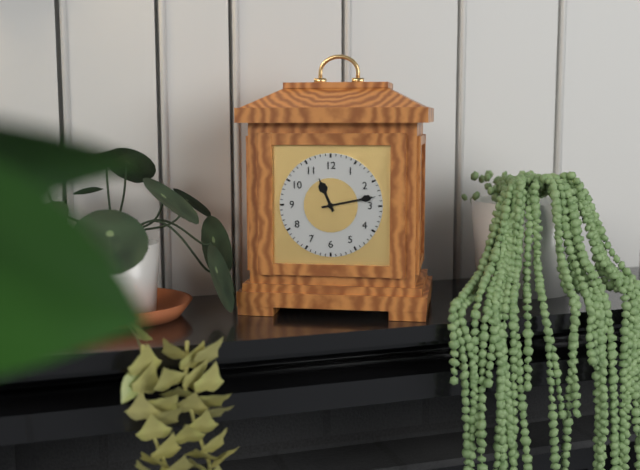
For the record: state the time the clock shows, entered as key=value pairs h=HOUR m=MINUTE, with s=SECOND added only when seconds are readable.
h=11 m=13
